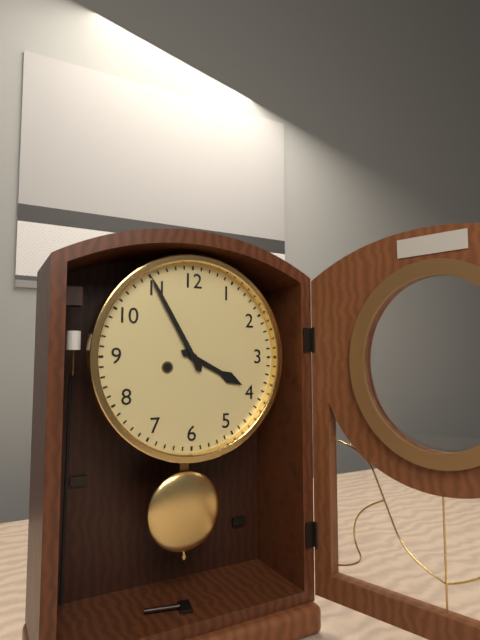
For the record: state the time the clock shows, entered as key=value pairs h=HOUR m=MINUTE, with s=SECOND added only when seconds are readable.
h=3 m=55
